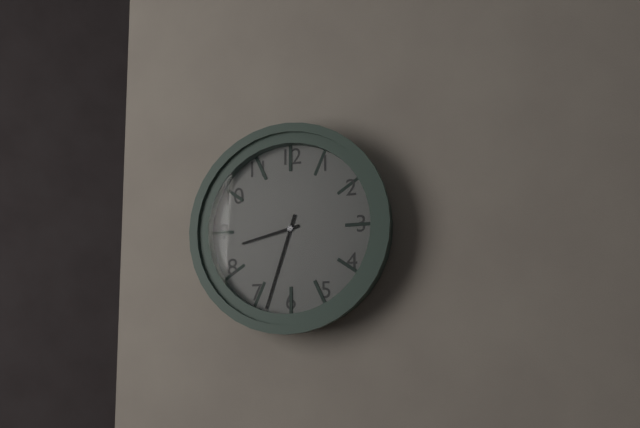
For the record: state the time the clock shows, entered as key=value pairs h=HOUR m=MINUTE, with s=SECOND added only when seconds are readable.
h=8 m=33
